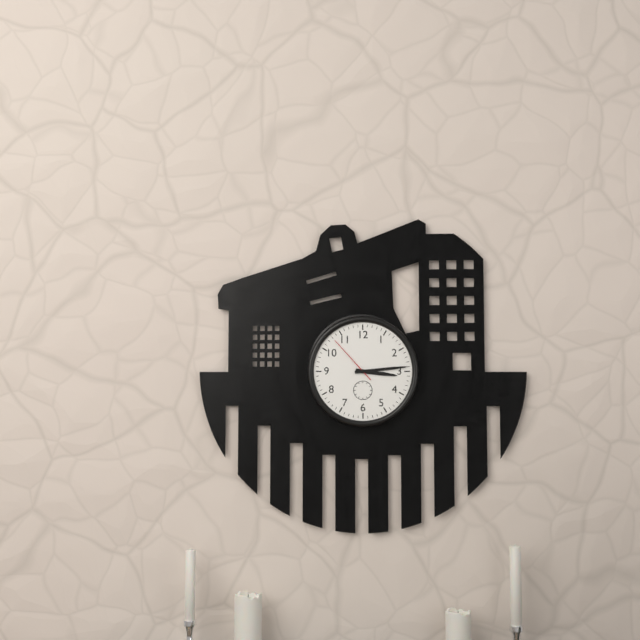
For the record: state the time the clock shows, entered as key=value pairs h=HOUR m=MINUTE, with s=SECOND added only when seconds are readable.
h=3 m=14 s=53
